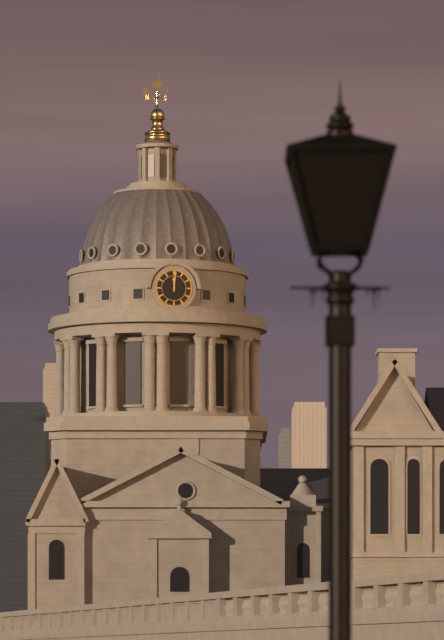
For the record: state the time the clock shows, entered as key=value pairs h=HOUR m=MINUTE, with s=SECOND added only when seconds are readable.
h=12 m=1
